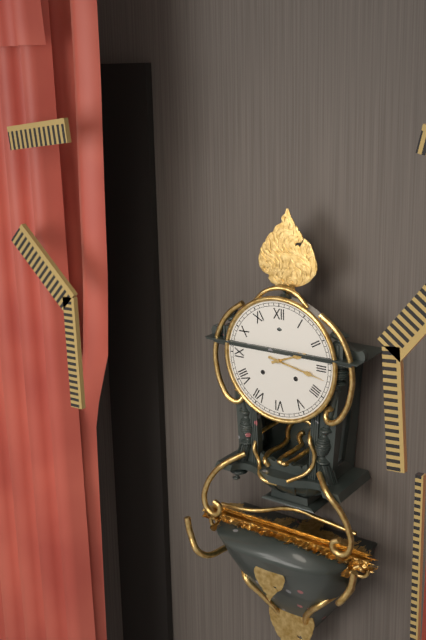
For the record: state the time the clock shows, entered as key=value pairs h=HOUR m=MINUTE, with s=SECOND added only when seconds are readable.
h=2 m=17
